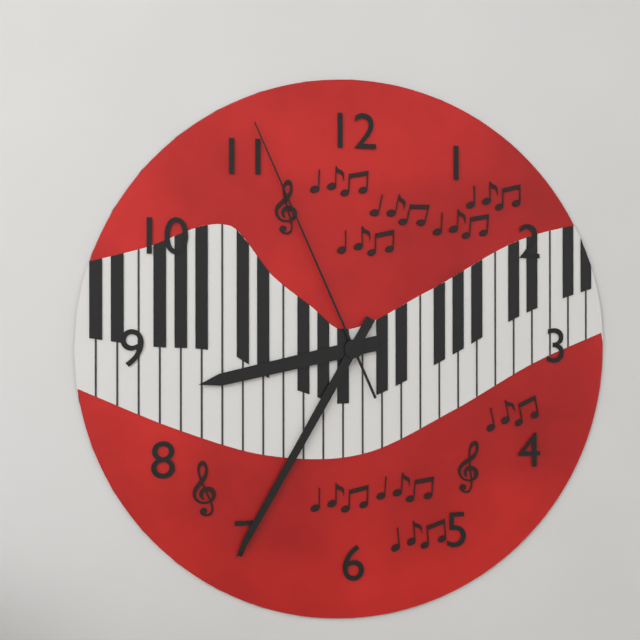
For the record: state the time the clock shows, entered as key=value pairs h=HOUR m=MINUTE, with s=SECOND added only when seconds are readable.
h=8 m=35 s=56
